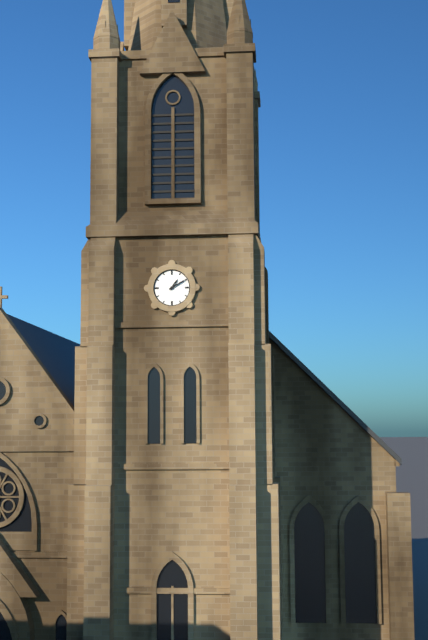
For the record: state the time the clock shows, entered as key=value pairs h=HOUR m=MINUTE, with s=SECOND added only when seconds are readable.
h=1 m=10
